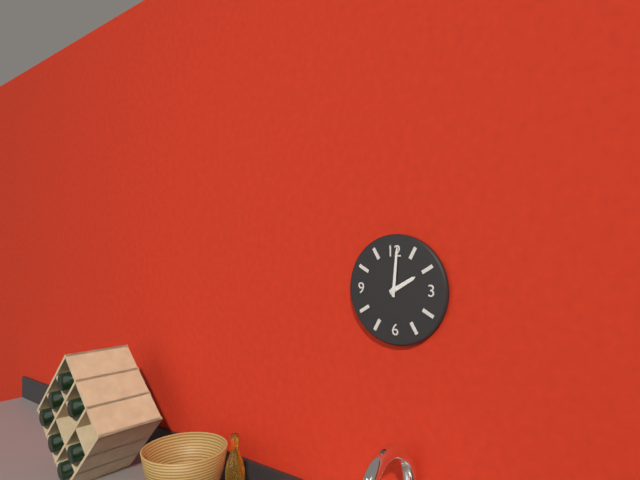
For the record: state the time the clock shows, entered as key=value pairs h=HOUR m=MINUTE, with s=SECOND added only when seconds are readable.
h=2 m=1
